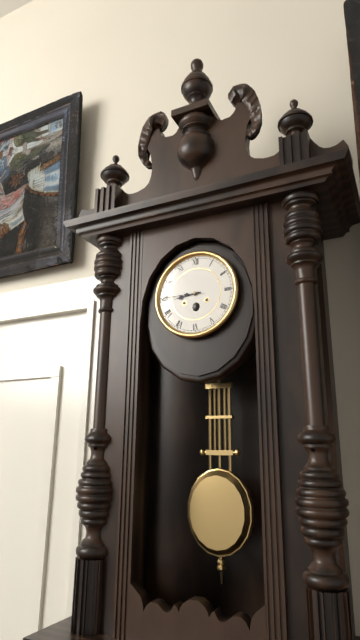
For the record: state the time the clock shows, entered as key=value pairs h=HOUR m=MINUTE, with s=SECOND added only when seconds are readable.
h=8 m=45
